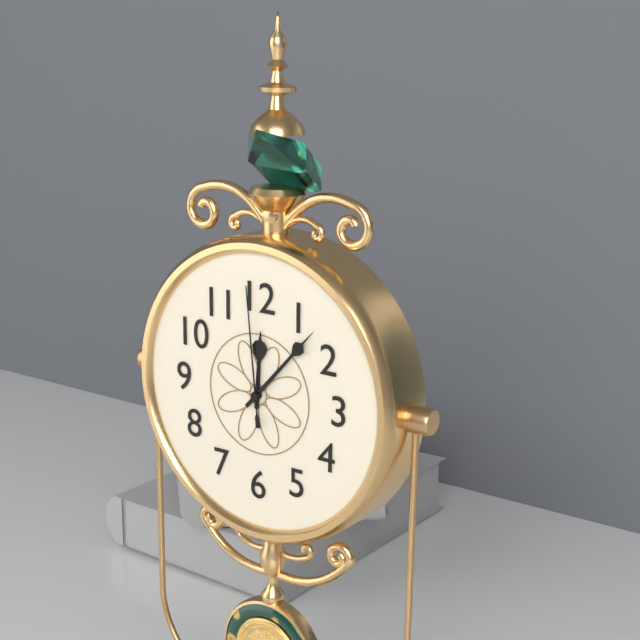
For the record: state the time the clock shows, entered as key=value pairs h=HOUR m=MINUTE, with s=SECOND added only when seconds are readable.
h=12 m=7 s=59
